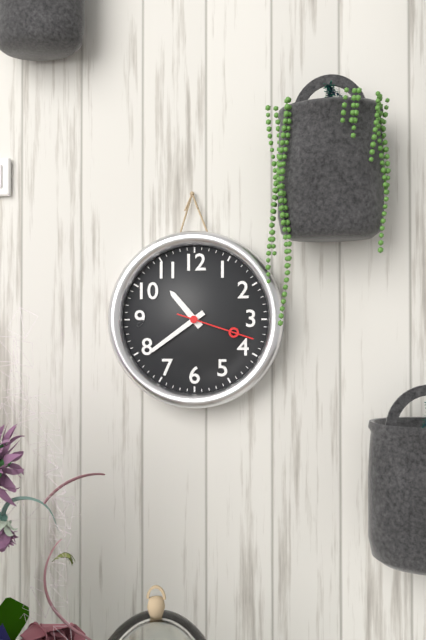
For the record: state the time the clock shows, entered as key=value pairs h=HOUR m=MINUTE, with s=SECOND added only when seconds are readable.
h=10 m=39 s=18
